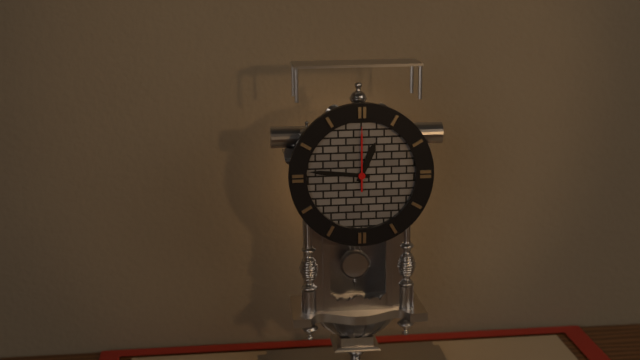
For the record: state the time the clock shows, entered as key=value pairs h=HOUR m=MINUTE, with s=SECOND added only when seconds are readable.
h=12 m=46 s=0
